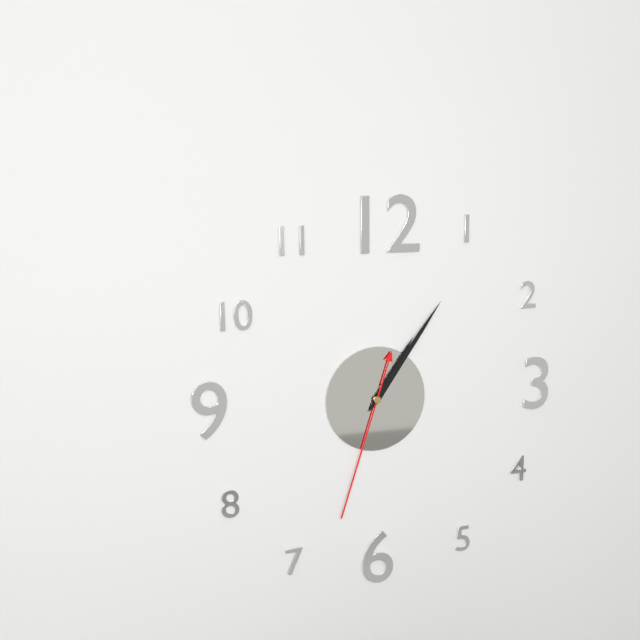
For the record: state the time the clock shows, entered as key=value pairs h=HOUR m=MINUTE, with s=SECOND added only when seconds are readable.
h=1 m=6 s=33
